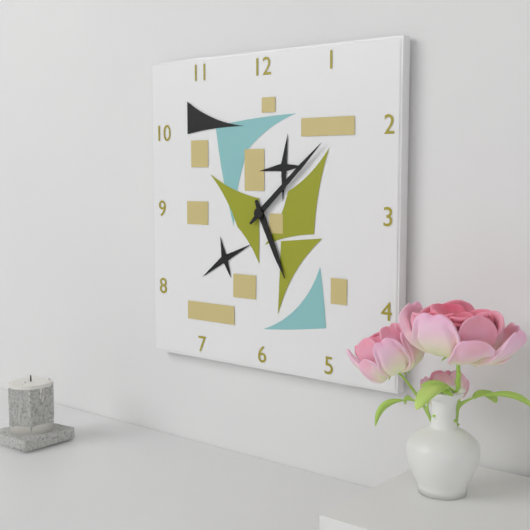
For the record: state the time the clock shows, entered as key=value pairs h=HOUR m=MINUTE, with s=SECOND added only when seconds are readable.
h=5 m=8
